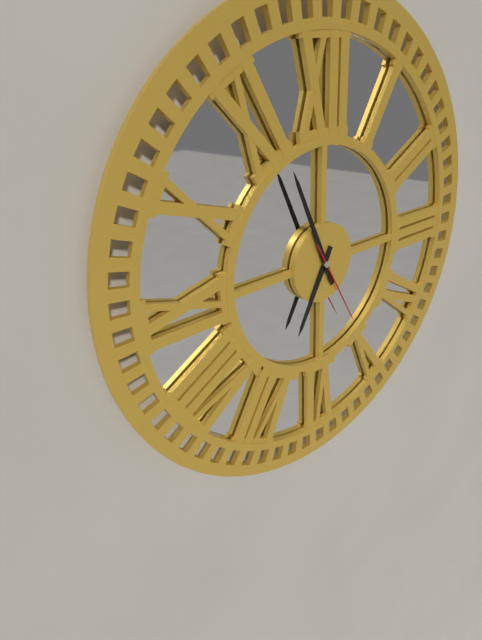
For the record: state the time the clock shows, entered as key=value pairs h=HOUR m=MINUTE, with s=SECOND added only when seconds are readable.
h=6 m=56 s=25
